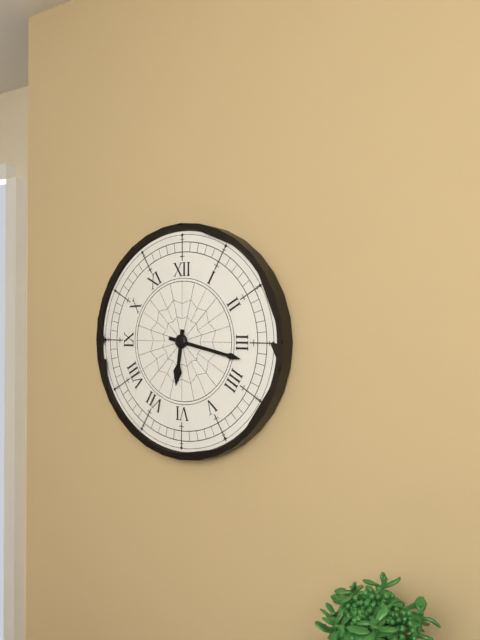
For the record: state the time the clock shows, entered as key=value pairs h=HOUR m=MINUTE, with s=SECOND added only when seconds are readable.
h=6 m=17
